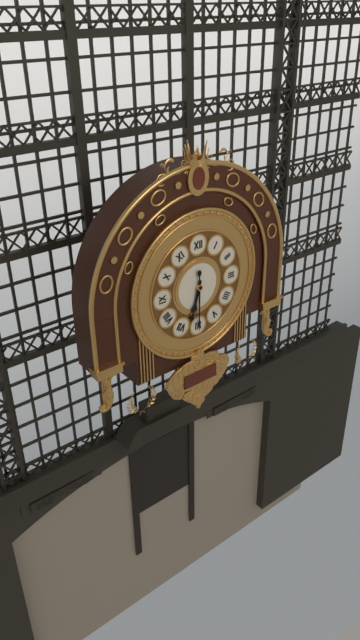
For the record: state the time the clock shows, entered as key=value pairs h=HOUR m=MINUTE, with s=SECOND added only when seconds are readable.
h=6 m=30
